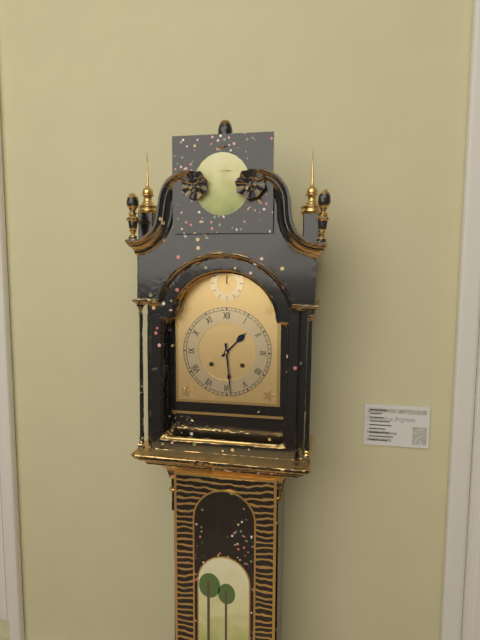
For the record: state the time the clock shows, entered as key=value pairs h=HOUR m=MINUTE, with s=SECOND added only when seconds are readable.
h=1 m=29
